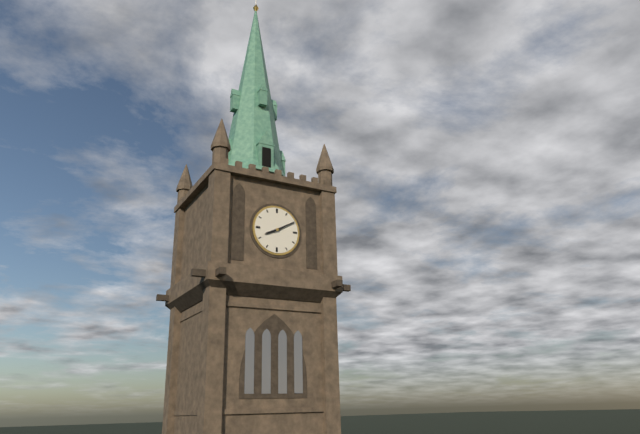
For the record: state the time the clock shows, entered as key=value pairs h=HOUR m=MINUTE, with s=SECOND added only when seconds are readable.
h=8 m=10
